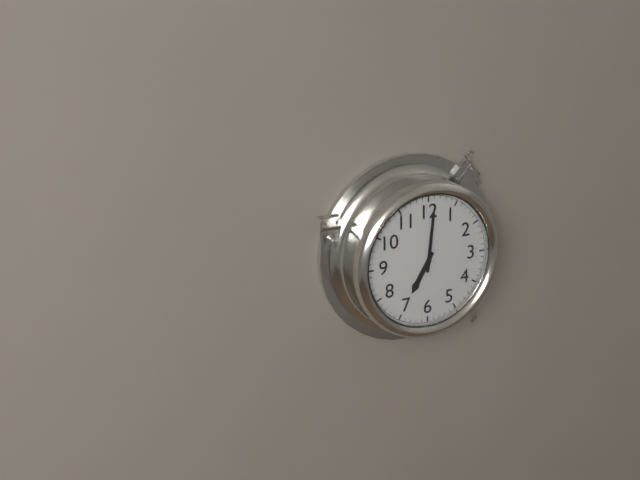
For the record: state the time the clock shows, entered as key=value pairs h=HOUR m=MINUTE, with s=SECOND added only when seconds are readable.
h=7 m=1
